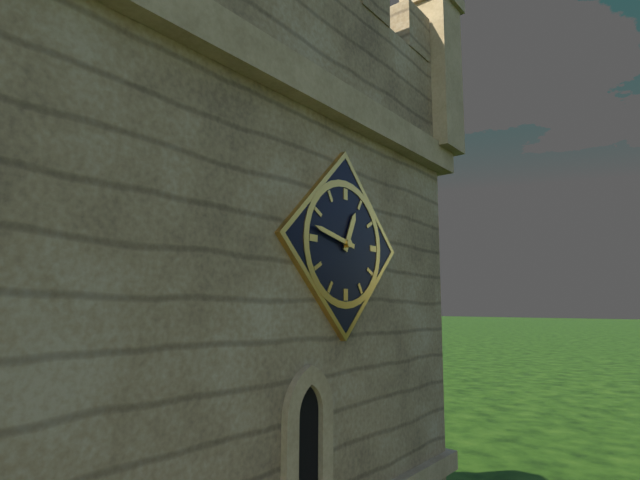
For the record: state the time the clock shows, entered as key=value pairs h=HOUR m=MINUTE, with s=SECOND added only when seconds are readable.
h=12 m=47
